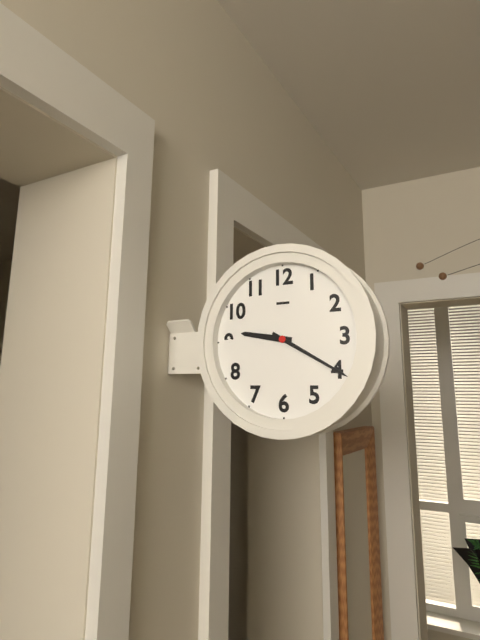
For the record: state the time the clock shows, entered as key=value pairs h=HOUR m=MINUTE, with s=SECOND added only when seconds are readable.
h=9 m=20
